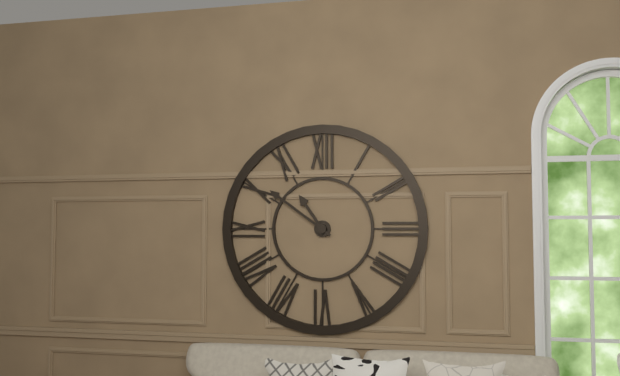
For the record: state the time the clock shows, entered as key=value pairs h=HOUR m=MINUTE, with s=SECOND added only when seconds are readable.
h=10 m=51
